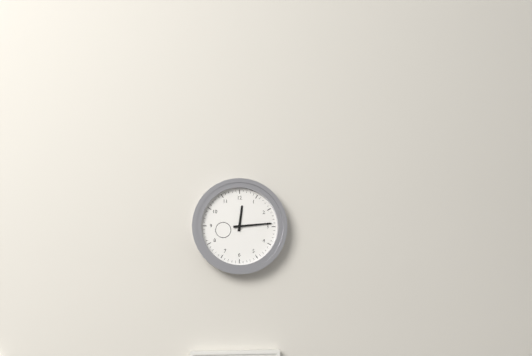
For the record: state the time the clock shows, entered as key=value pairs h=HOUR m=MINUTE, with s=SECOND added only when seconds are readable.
h=12 m=14
